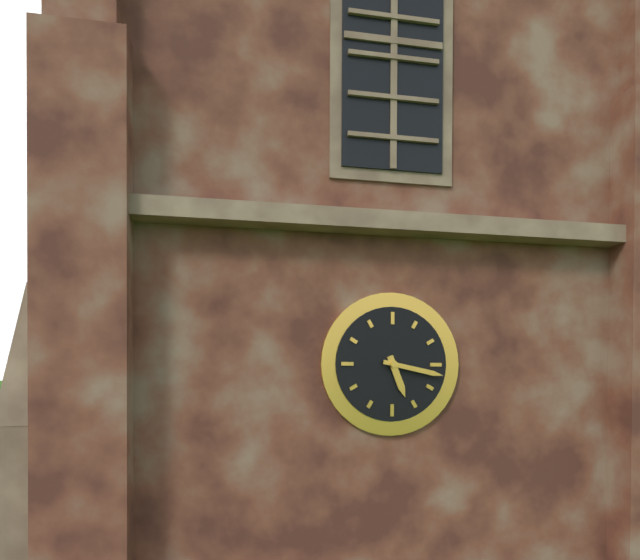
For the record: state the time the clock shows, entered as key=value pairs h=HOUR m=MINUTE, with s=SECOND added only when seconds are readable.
h=5 m=17
